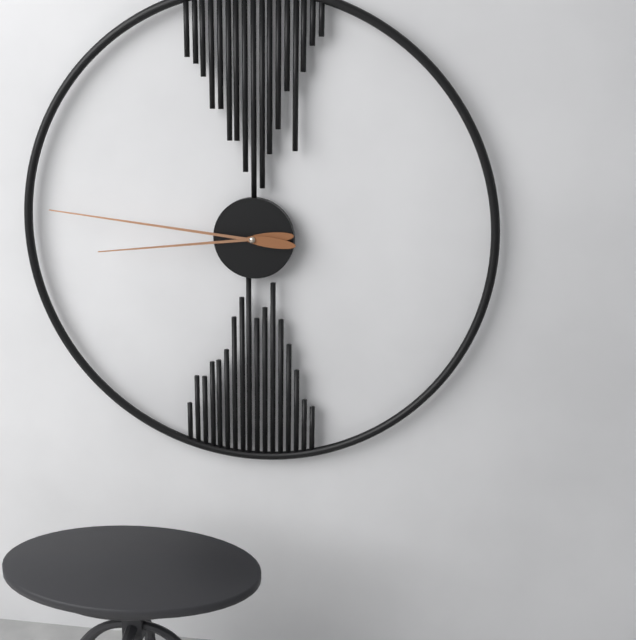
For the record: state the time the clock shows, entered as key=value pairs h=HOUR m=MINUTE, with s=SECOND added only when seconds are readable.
h=8 m=46
